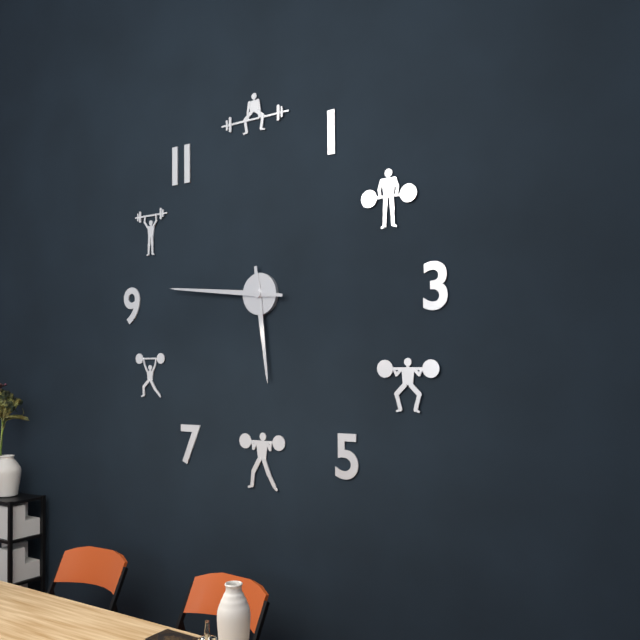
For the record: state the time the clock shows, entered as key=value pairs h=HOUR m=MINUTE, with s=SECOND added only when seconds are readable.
h=5 m=46
